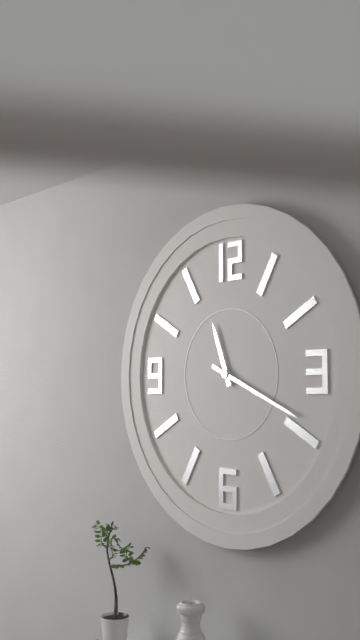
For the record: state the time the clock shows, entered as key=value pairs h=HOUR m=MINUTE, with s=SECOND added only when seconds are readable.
h=11 m=19
